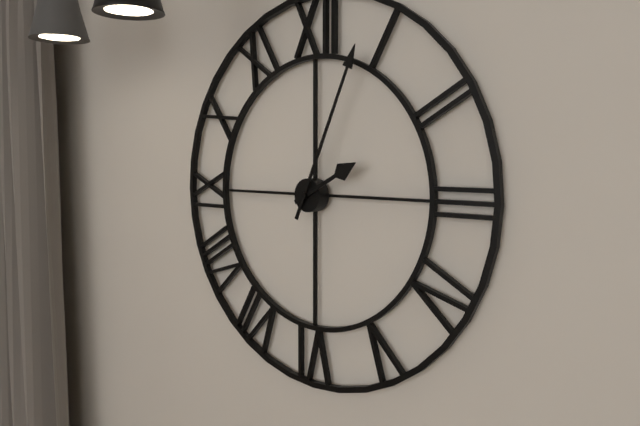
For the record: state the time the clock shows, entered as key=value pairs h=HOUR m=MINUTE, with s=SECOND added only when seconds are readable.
h=2 m=4
